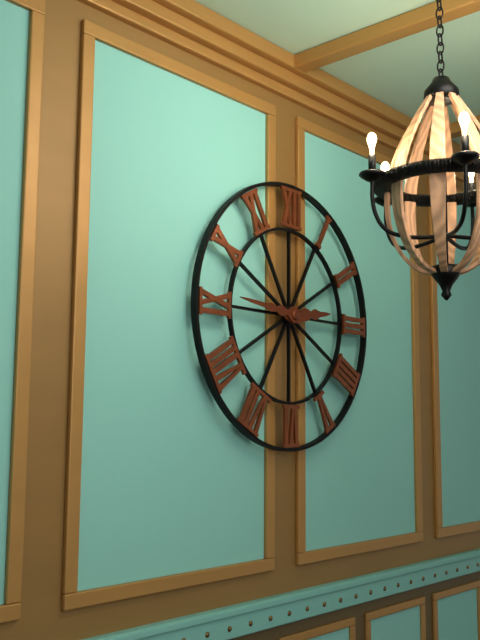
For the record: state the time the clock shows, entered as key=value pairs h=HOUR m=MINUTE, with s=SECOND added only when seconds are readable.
h=2 m=46
